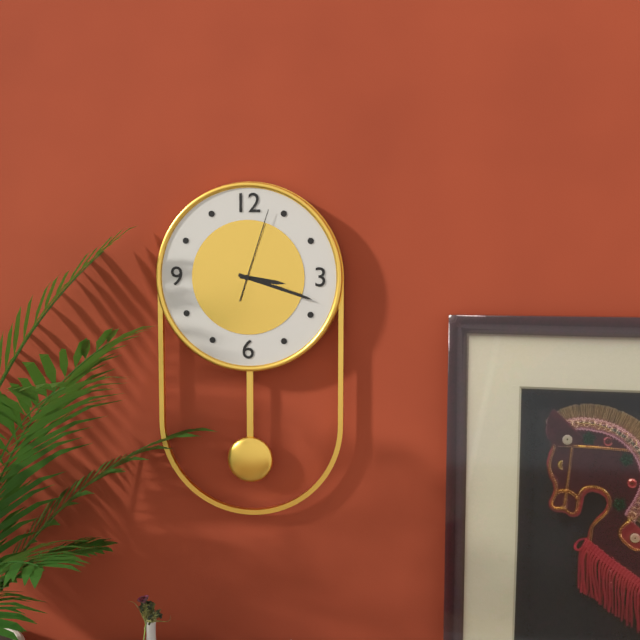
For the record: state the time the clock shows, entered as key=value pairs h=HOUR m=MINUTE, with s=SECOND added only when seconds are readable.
h=3 m=18 s=3
